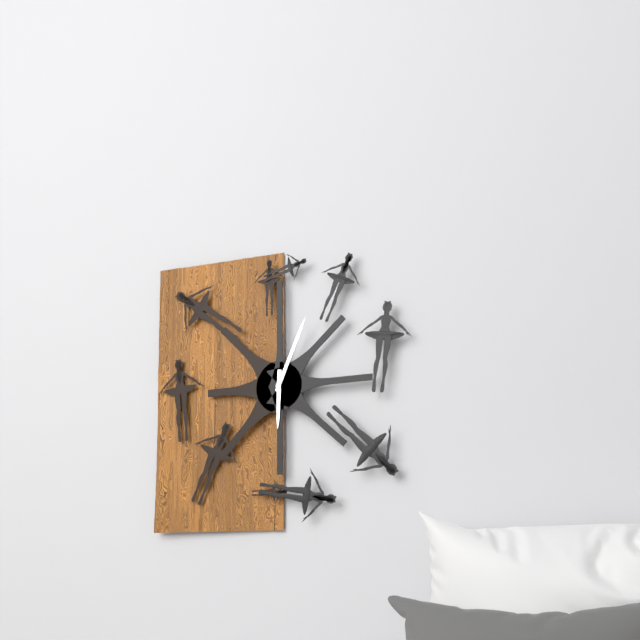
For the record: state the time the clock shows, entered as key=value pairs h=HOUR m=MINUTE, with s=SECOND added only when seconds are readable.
h=6 m=4
